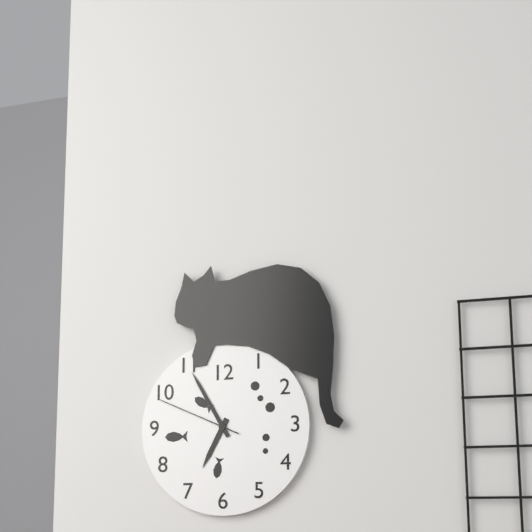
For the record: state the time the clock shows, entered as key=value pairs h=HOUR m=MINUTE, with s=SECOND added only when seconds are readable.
h=6 m=55 s=49
